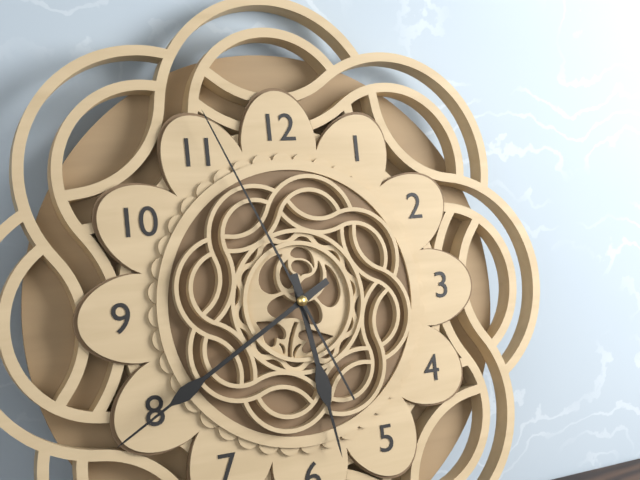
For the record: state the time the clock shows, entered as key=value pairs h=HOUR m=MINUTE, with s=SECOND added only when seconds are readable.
h=5 m=40 s=56
